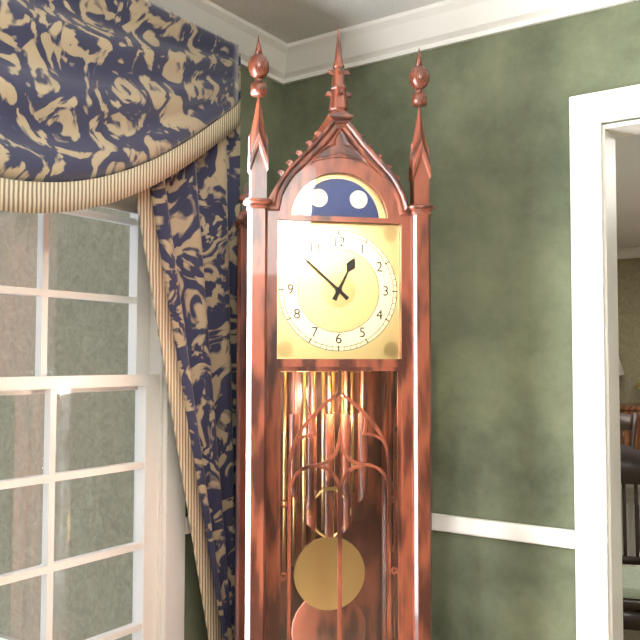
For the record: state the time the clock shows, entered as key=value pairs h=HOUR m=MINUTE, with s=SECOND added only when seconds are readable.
h=12 m=52
